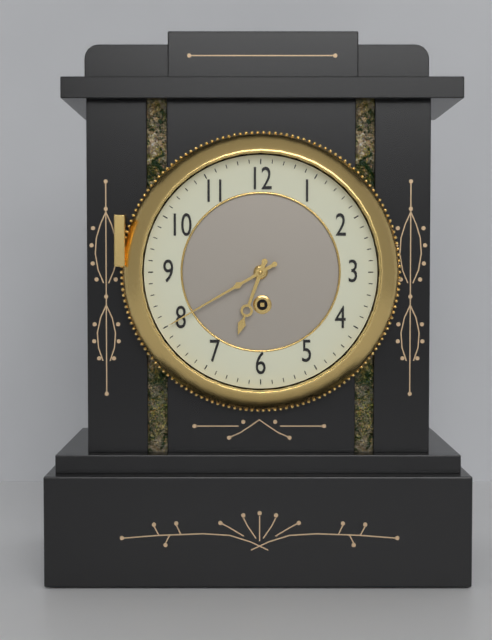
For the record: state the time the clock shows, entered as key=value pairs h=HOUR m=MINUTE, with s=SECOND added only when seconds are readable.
h=6 m=40
